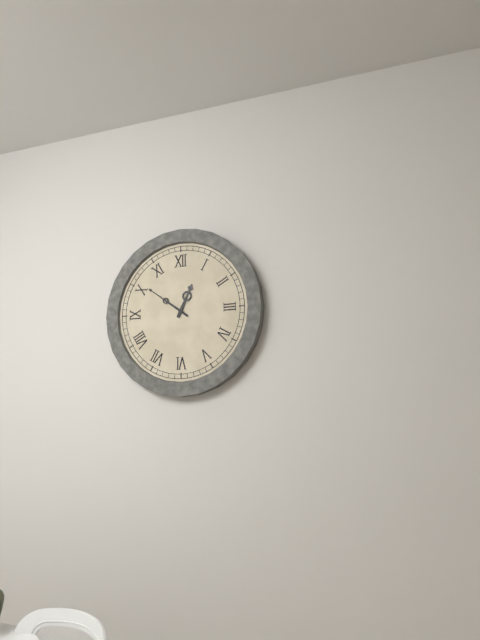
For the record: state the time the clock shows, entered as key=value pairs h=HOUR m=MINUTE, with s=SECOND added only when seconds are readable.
h=12 m=51
